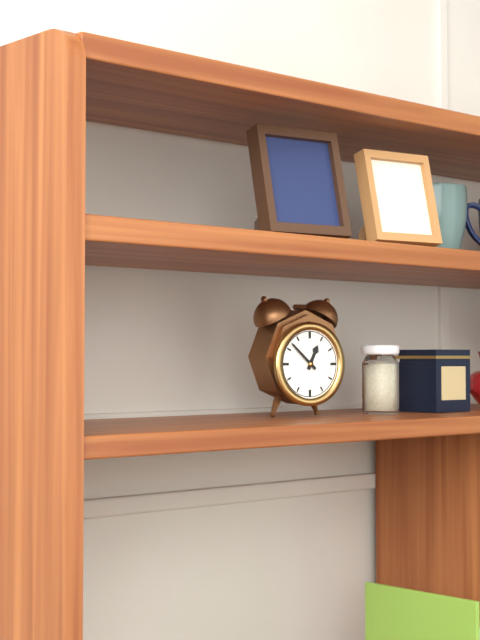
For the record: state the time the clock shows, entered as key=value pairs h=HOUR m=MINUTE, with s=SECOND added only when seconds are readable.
h=12 m=52
